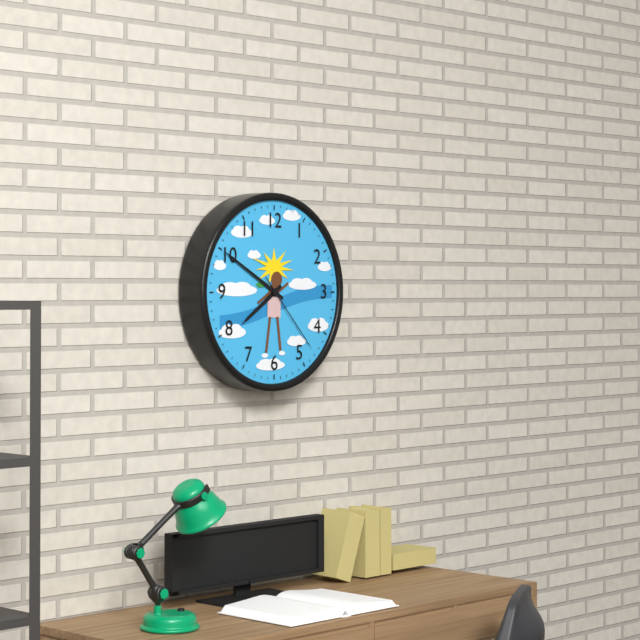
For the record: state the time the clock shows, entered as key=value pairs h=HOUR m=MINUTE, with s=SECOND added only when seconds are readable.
h=7 m=50 s=23
